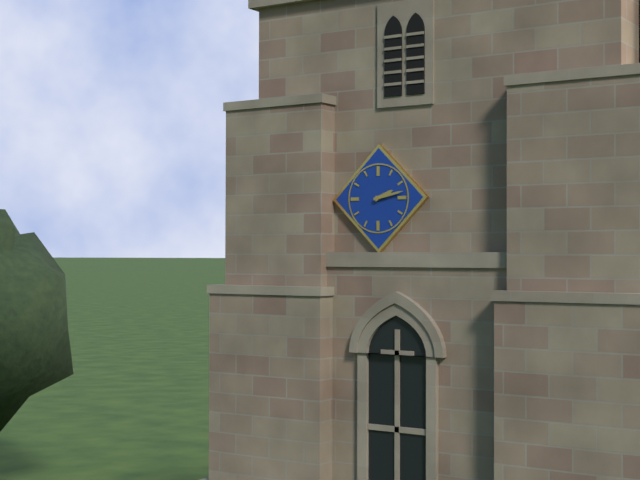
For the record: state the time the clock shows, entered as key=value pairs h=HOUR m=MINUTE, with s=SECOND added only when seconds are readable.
h=2 m=13
